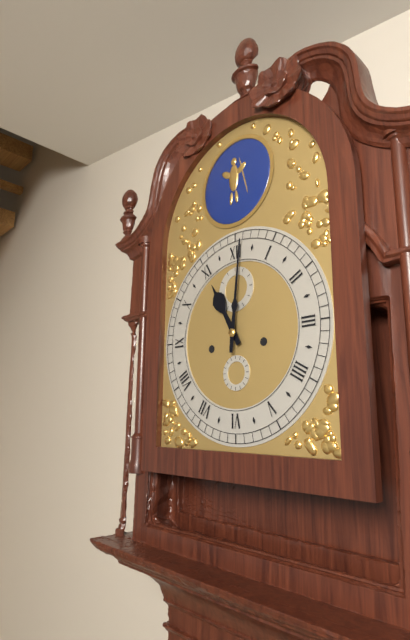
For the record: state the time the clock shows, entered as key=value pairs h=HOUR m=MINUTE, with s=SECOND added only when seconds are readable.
h=11 m=1
